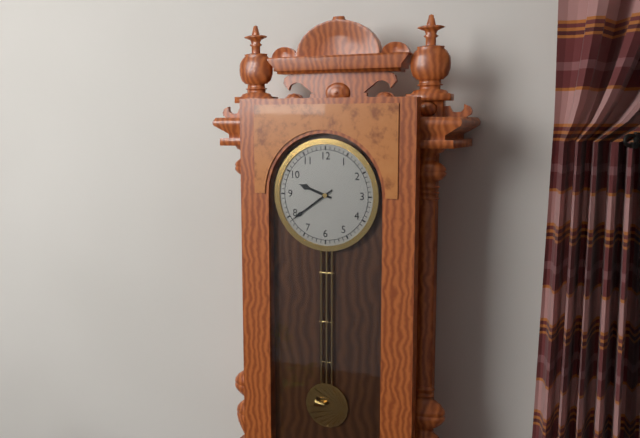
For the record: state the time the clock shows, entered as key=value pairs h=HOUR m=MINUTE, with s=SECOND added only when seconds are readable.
h=9 m=39
